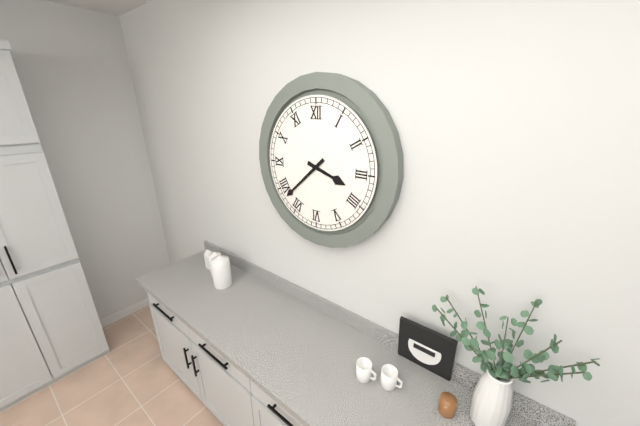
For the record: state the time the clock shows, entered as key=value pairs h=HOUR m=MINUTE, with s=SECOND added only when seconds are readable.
h=3 m=38
